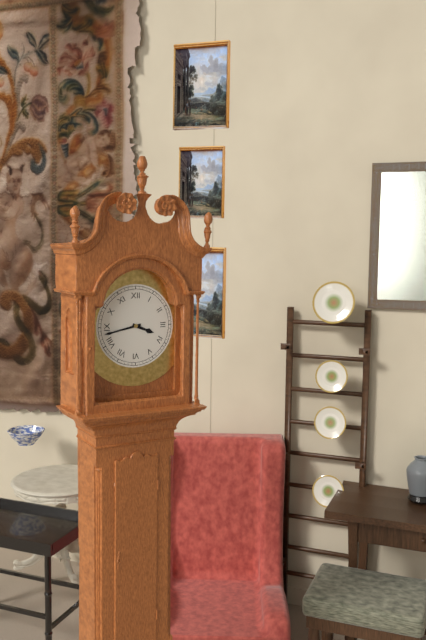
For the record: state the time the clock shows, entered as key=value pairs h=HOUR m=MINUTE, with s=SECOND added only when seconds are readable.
h=3 m=43
